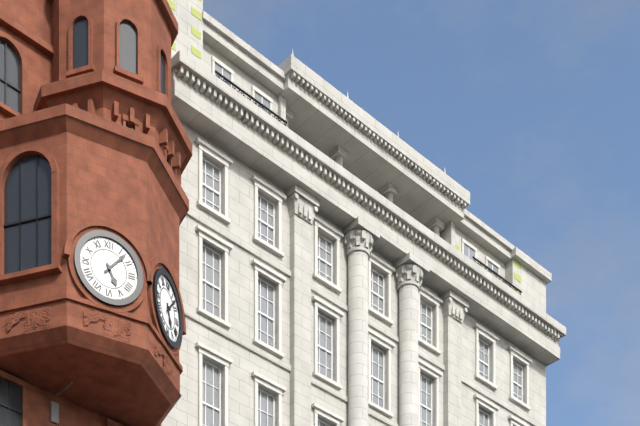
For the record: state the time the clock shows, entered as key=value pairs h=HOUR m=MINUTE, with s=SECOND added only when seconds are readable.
h=5 m=7
